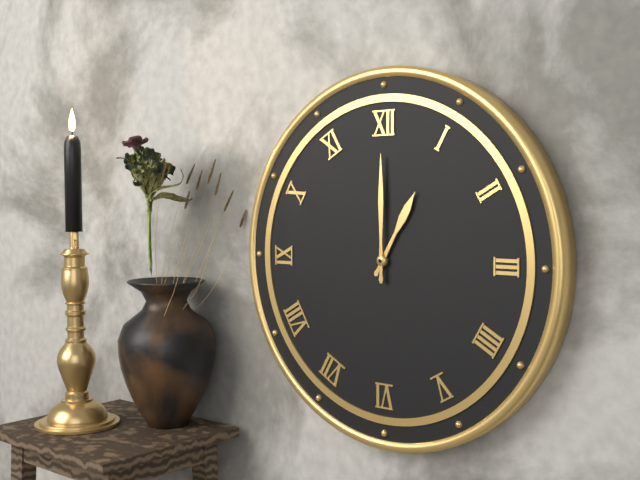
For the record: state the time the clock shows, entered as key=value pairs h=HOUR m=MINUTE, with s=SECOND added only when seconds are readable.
h=1 m=0
